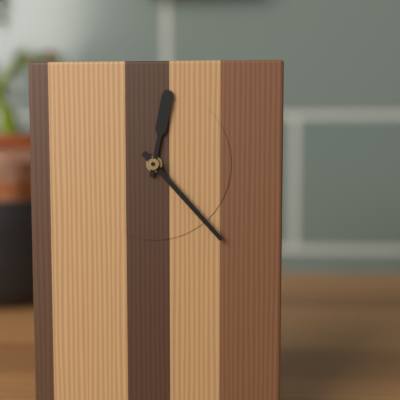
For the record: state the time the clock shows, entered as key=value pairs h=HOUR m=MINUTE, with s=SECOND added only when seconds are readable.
h=12 m=23
